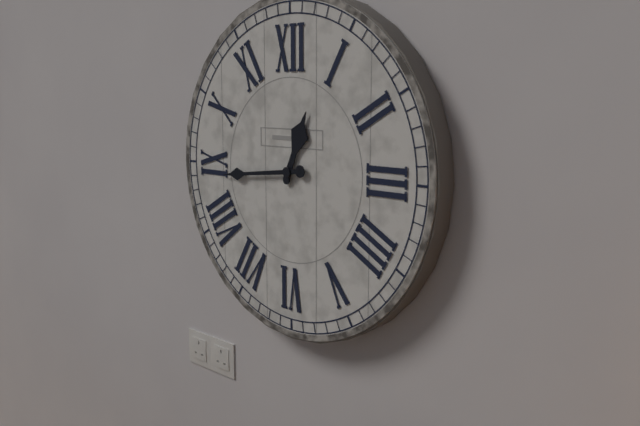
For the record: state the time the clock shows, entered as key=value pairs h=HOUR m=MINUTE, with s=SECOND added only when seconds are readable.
h=12 m=44
